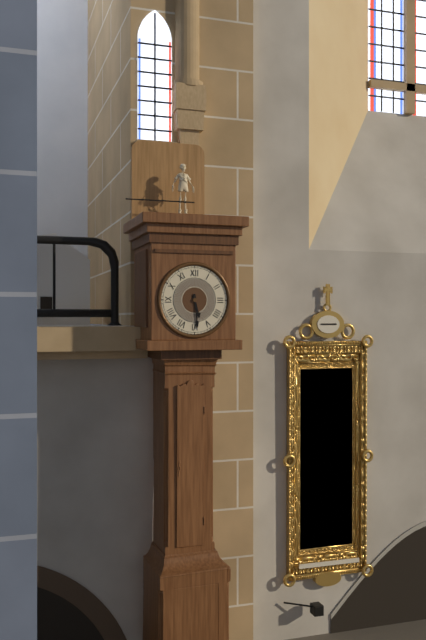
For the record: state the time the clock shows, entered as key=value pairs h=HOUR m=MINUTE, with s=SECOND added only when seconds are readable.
h=5 m=29
